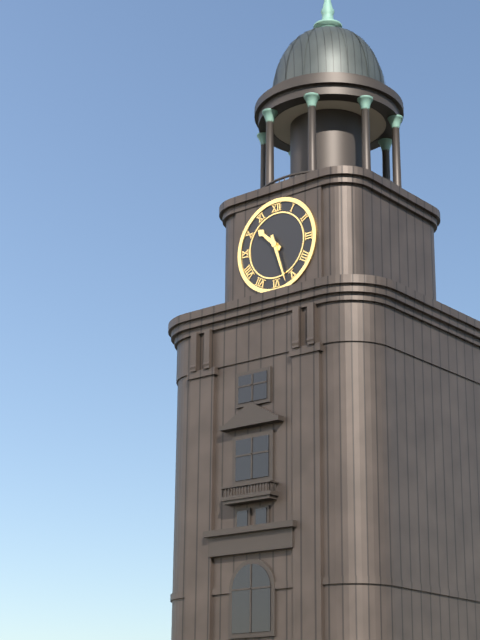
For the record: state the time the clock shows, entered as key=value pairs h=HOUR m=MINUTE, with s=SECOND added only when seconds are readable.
h=10 m=27
